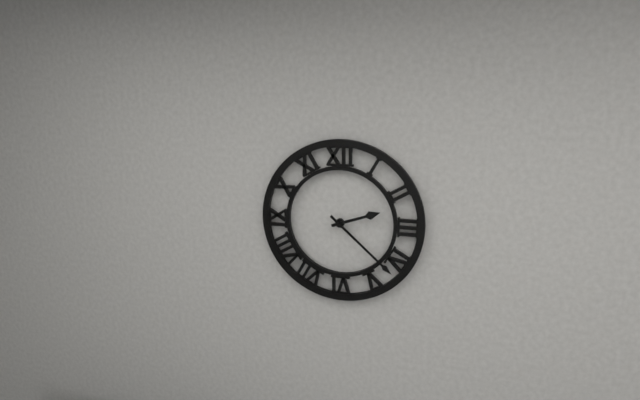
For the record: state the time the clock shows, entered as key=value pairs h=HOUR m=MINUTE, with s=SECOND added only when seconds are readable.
h=2 m=22
